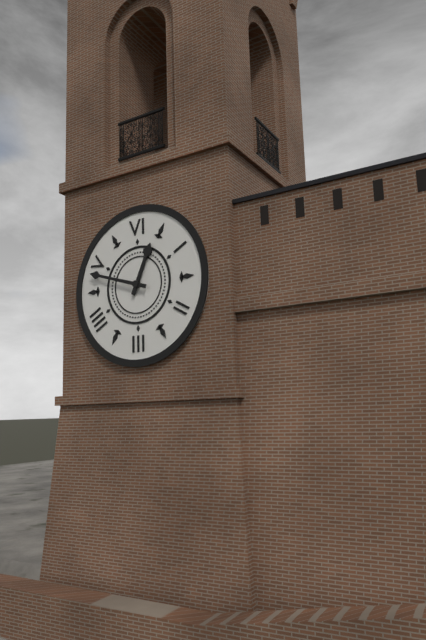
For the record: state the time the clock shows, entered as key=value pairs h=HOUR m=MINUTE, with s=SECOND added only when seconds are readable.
h=12 m=48
